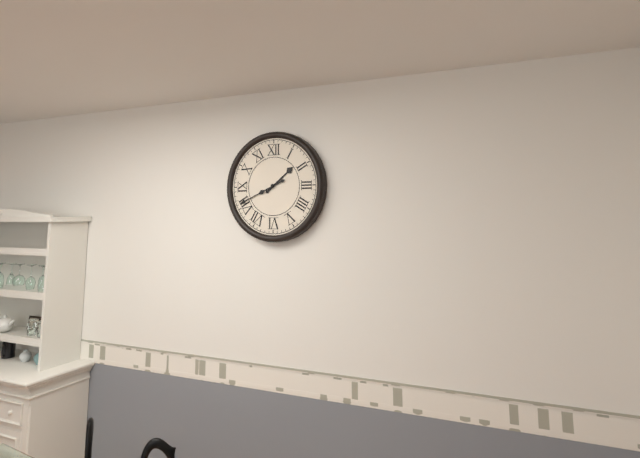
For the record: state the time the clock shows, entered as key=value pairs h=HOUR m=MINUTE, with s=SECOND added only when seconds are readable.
h=1 m=41
